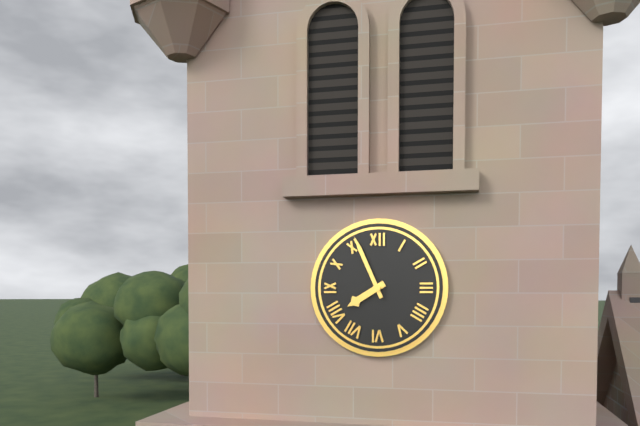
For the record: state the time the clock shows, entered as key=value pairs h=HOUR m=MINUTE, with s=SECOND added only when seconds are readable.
h=7 m=56
